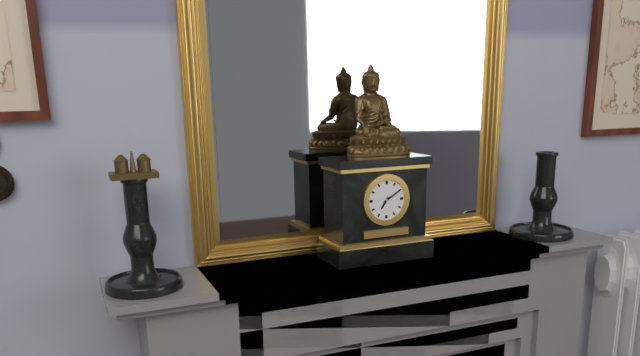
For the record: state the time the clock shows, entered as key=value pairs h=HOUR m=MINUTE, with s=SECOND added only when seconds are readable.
h=7 m=10
